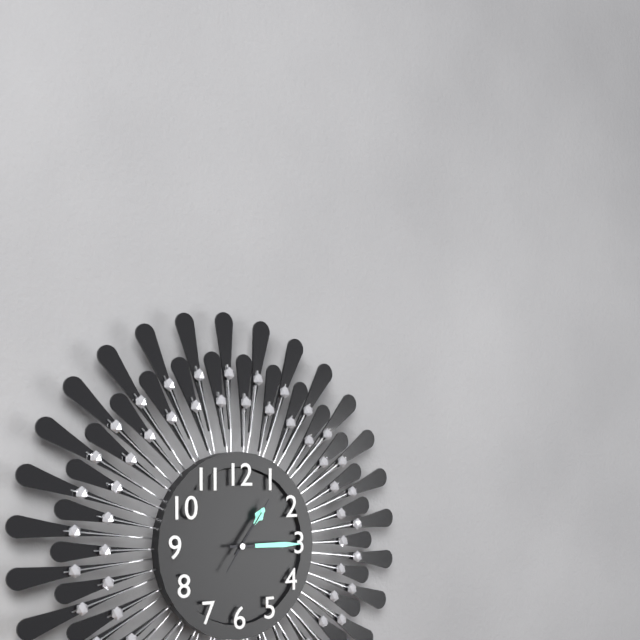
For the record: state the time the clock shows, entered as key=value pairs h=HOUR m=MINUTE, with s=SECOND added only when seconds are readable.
h=1 m=15 s=6
